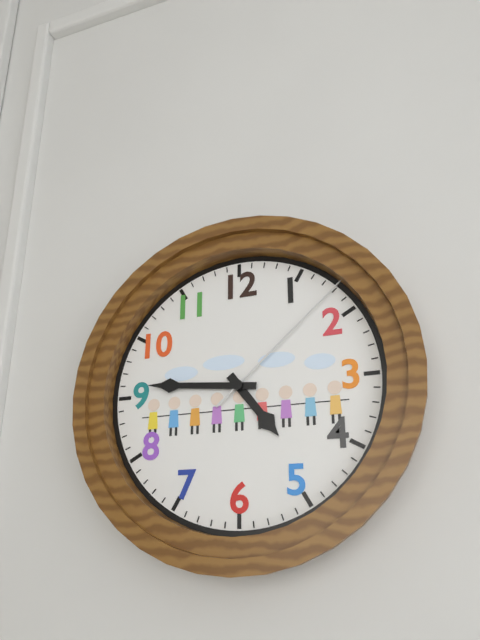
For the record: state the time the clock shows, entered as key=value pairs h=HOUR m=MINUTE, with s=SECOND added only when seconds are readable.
h=4 m=46 s=8
